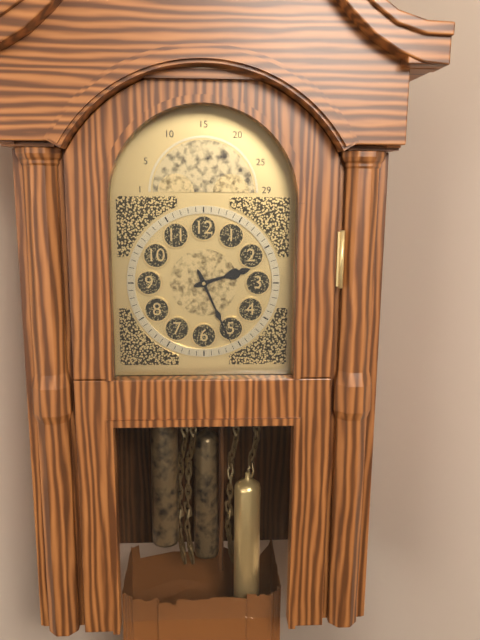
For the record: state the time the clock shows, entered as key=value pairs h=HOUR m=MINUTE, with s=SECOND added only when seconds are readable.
h=2 m=26
